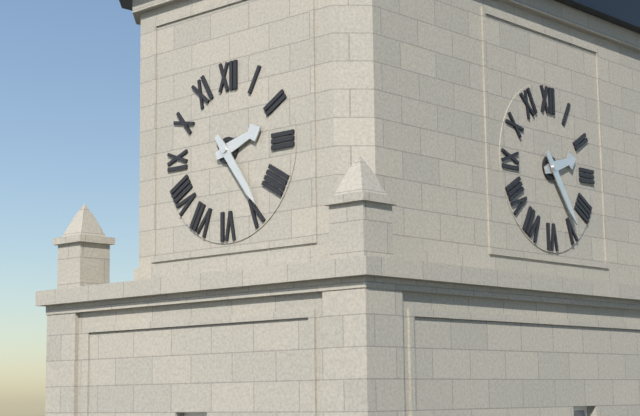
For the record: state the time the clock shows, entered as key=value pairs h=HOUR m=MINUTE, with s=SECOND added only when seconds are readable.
h=2 m=24
